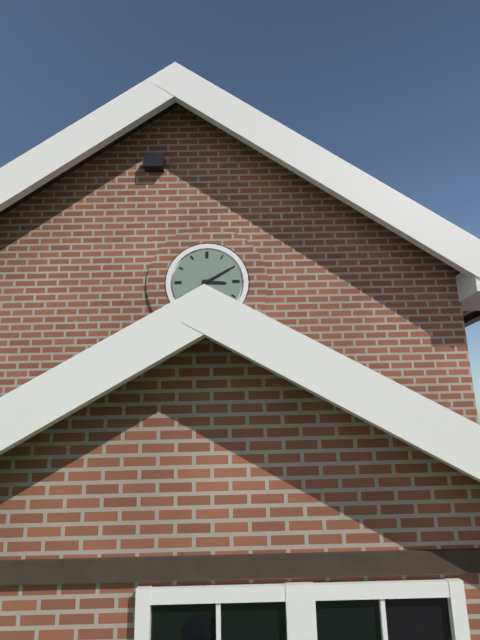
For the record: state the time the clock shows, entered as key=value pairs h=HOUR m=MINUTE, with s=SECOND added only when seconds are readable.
h=3 m=10
